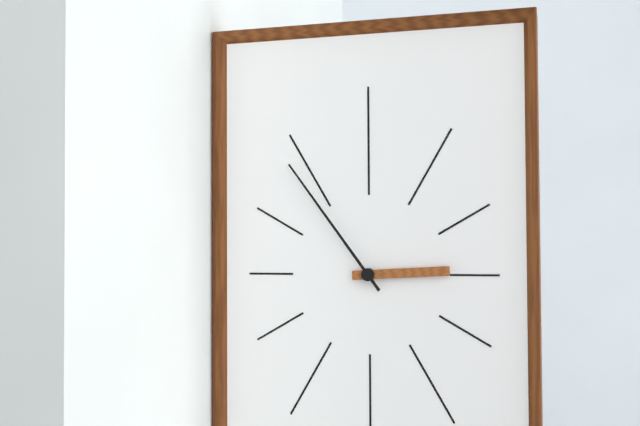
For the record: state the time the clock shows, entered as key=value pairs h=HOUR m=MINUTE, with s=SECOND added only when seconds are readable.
h=2 m=54
